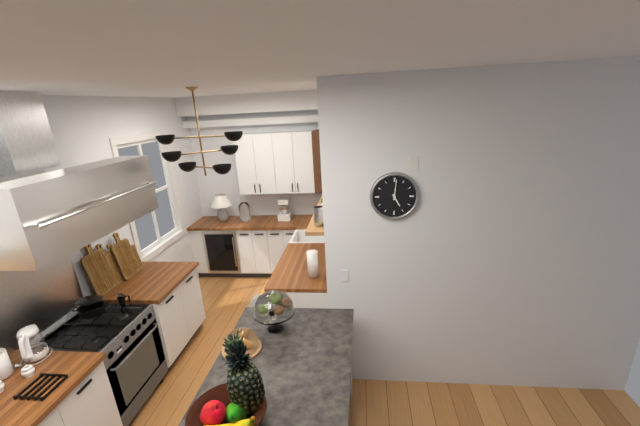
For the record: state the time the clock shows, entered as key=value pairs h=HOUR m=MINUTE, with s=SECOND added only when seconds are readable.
h=5 m=1
